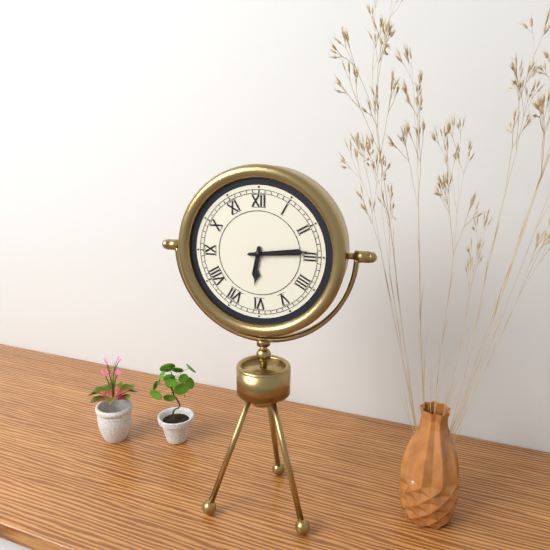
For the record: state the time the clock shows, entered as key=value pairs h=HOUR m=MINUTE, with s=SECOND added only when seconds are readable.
h=6 m=14
